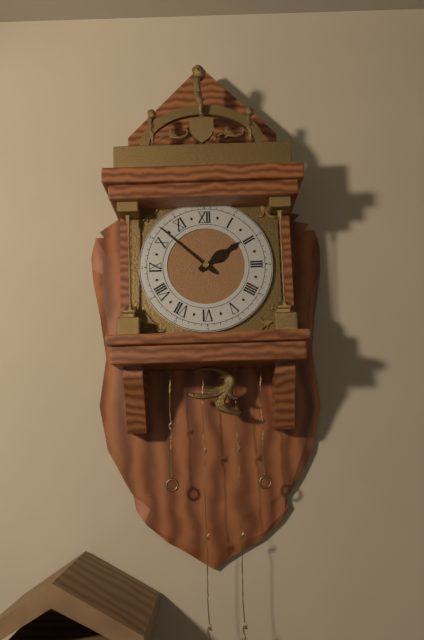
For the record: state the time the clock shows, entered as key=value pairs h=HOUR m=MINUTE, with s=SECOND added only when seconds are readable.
h=1 m=52
